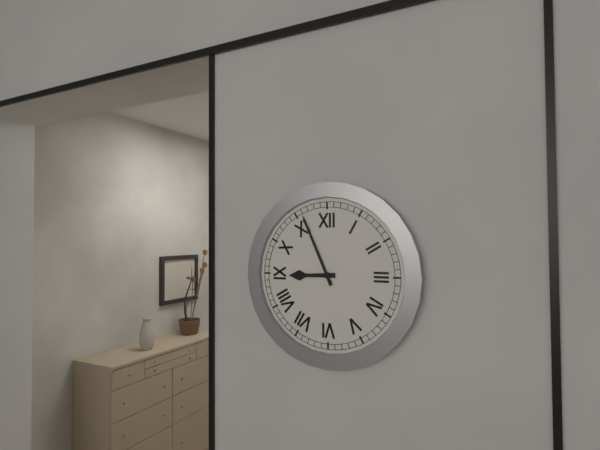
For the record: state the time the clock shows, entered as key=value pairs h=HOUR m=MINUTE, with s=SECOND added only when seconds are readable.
h=8 m=56
